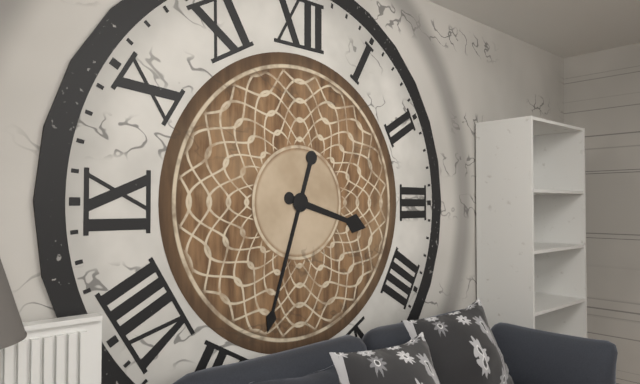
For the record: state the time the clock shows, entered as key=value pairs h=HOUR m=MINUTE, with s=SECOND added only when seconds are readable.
h=3 m=33
